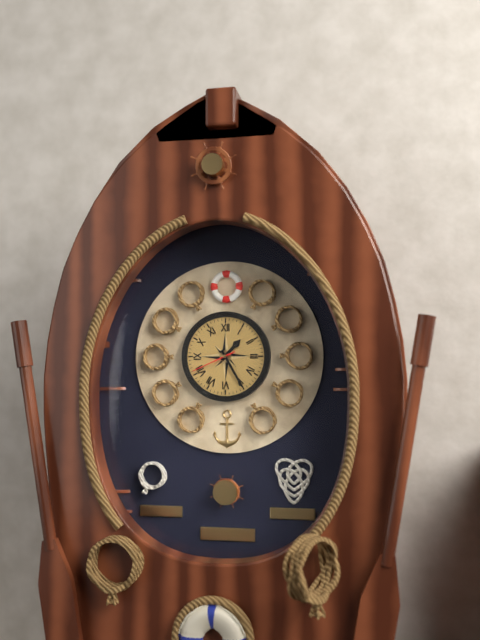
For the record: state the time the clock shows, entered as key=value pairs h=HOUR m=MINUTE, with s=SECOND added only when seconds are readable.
h=1 m=25
